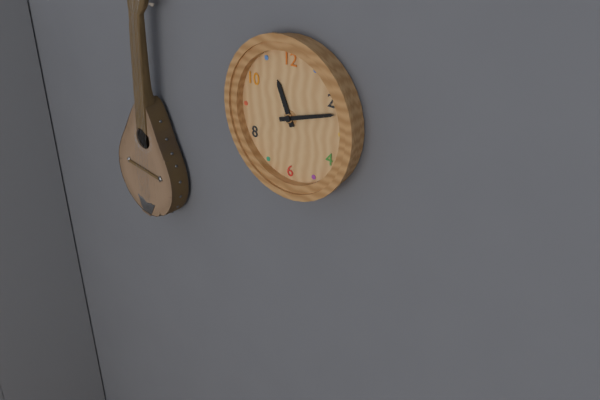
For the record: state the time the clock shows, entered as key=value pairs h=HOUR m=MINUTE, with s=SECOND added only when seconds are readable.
h=11 m=12
